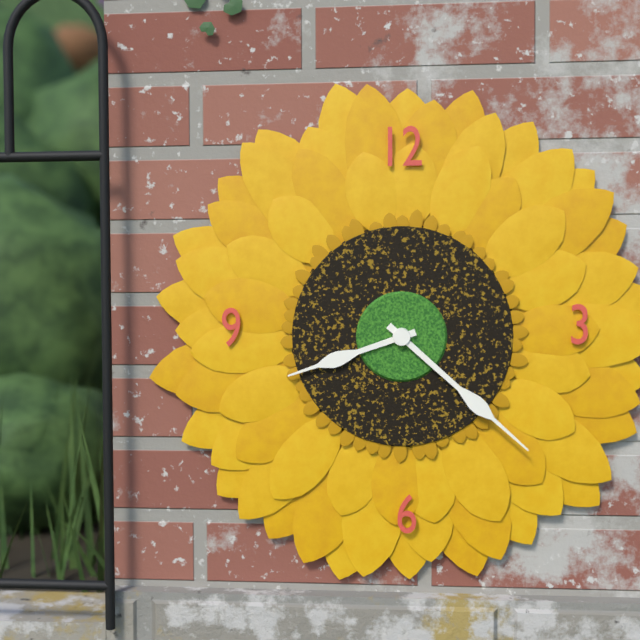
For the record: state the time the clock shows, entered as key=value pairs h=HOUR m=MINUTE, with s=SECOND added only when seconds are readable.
h=8 m=22
